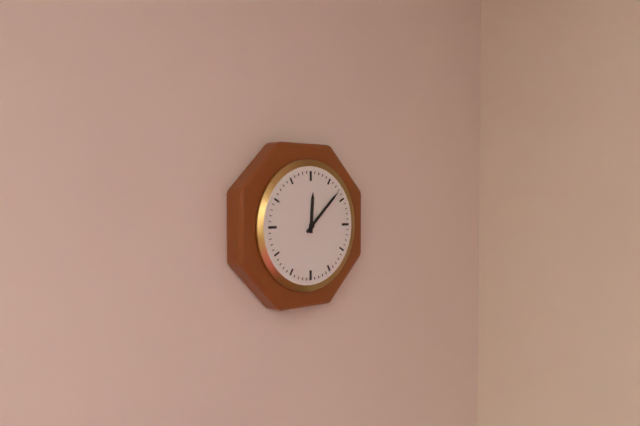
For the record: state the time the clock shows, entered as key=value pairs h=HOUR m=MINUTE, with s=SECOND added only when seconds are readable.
h=12 m=8
